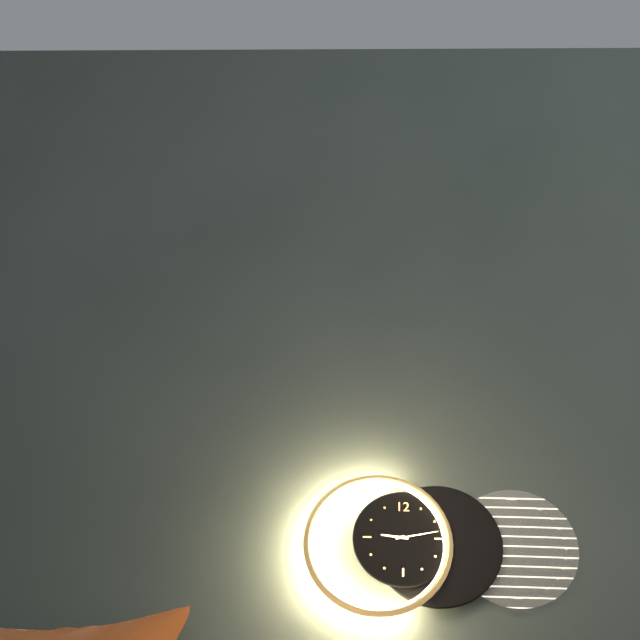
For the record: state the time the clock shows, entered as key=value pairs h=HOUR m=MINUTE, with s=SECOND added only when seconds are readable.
h=9 m=13
